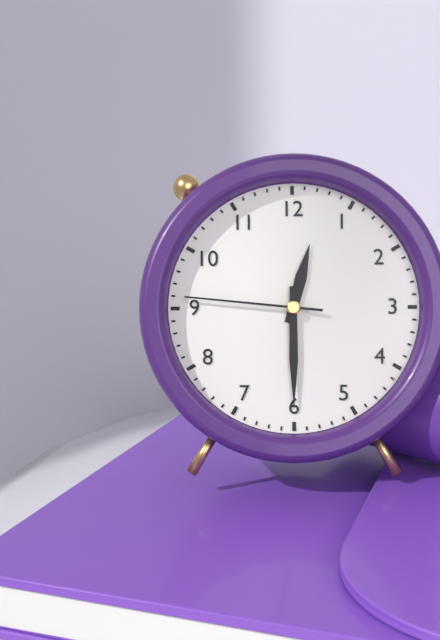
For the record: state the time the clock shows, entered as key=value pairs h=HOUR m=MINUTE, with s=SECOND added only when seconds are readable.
h=12 m=30 s=46
